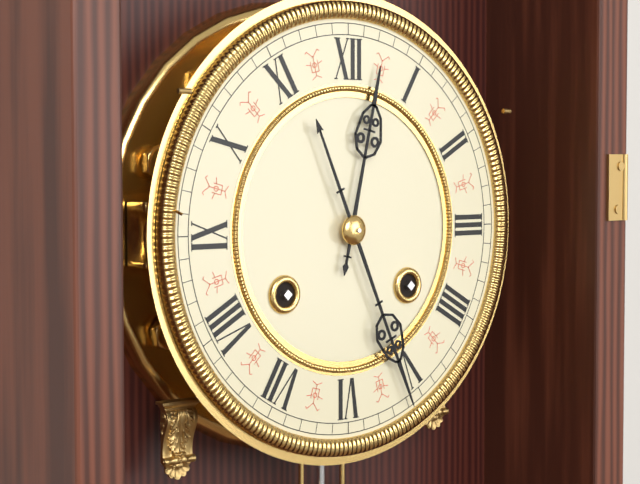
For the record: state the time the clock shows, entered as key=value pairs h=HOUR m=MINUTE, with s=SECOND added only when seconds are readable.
h=12 m=26
